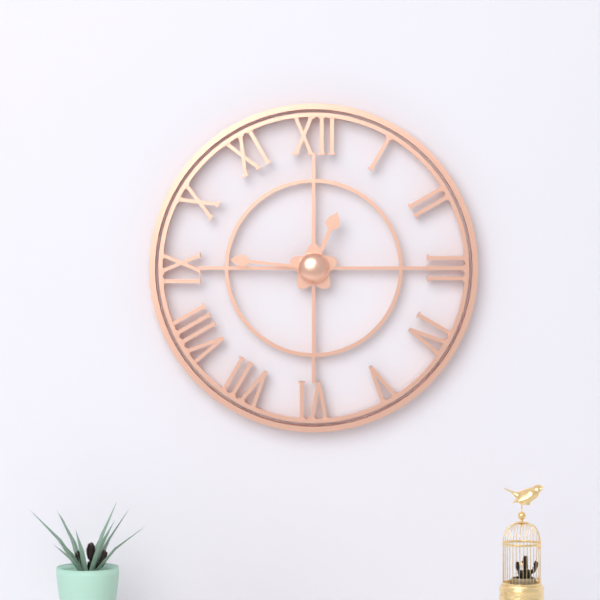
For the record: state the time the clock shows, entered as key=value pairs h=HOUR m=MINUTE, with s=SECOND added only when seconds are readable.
h=12 m=46
